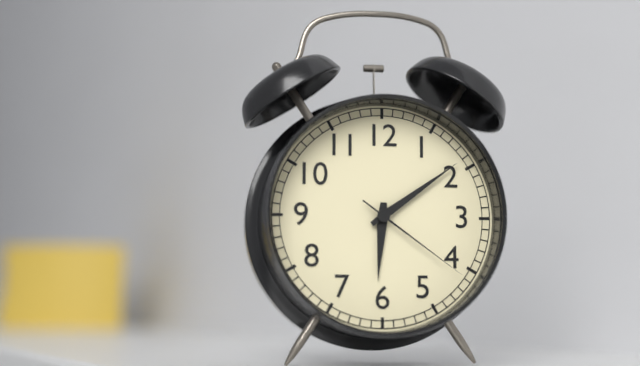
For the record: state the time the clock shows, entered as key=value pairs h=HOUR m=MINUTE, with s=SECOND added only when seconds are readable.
h=6 m=9 s=21
